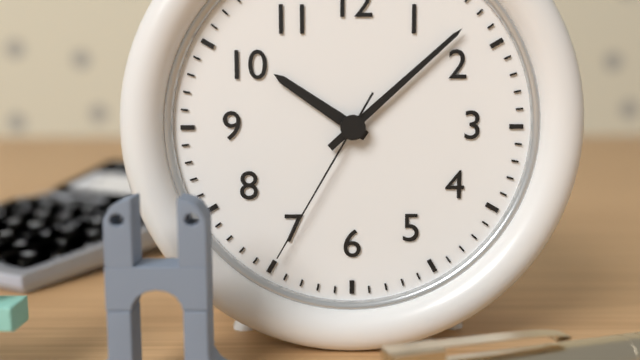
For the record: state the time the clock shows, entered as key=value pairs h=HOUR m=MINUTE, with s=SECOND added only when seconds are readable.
h=10 m=8 s=35
